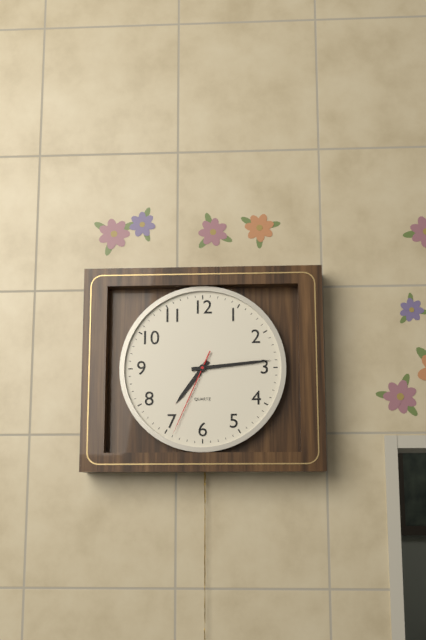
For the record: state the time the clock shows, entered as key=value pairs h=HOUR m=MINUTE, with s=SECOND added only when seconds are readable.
h=7 m=14 s=34
